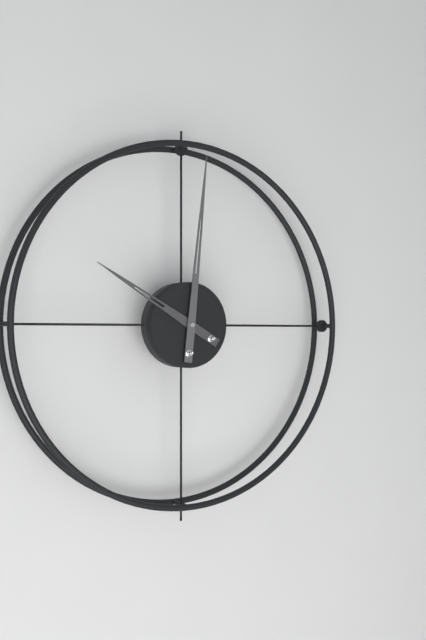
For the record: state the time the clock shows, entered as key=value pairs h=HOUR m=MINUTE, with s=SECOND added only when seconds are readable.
h=10 m=1
